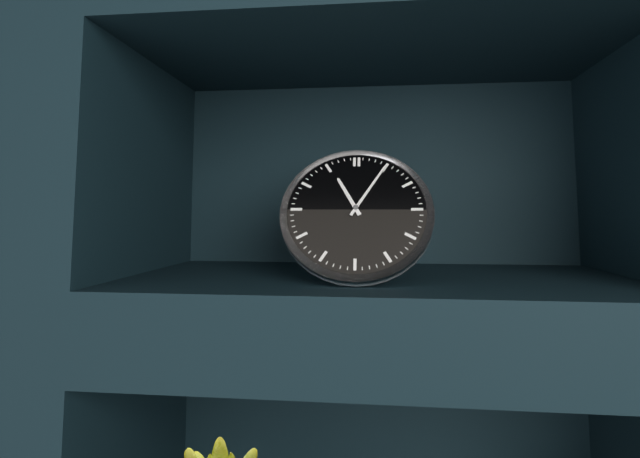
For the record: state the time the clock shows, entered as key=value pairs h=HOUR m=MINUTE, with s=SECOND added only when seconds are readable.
h=11 m=5
